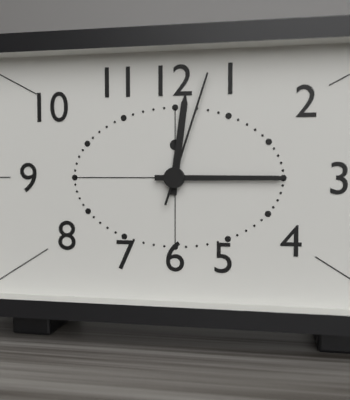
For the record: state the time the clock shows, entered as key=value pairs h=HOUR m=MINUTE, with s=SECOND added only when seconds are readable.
h=12 m=15 s=3
